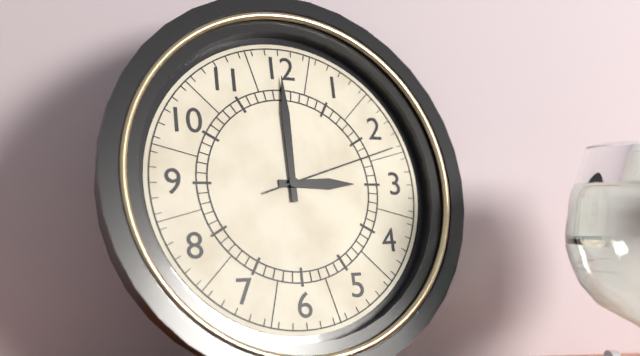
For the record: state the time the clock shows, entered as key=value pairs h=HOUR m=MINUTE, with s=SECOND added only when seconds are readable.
h=3 m=0 s=12
